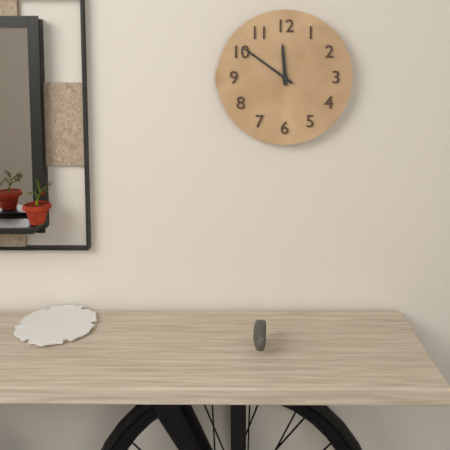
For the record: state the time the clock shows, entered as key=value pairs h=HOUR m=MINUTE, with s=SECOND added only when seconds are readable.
h=11 m=51
